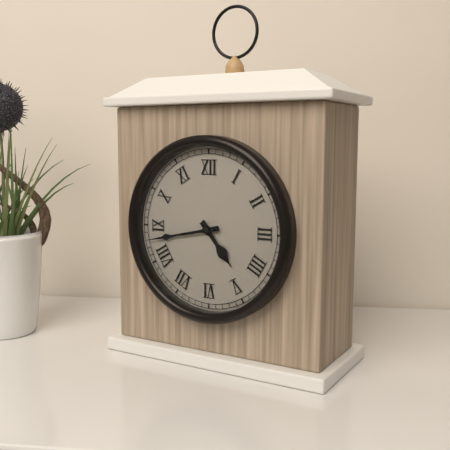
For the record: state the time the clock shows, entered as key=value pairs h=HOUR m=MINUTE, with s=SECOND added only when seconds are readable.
h=4 m=43
